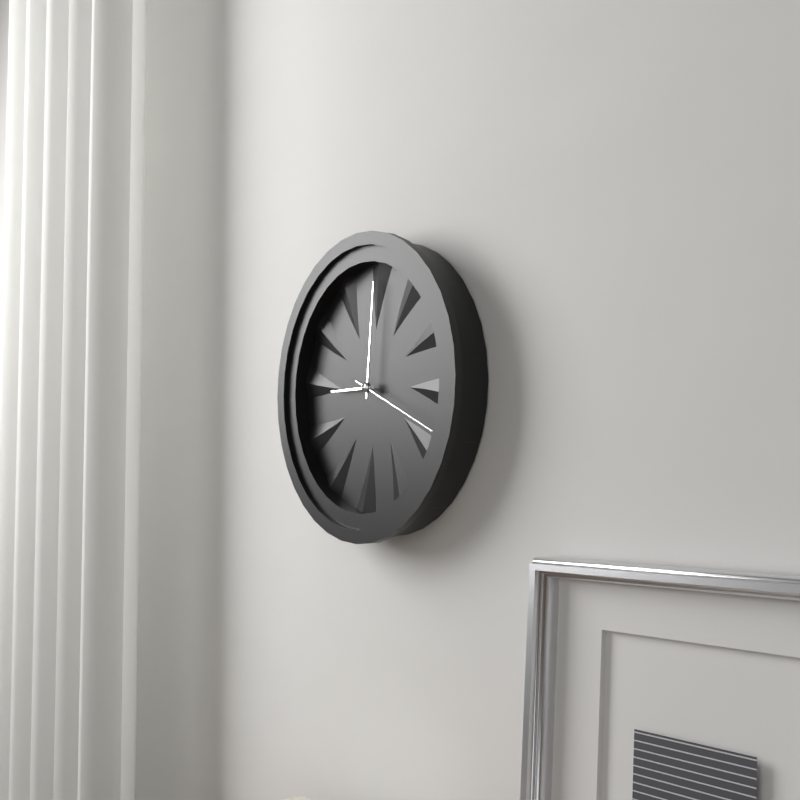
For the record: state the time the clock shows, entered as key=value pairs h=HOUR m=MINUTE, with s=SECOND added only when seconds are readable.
h=9 m=1 s=19
